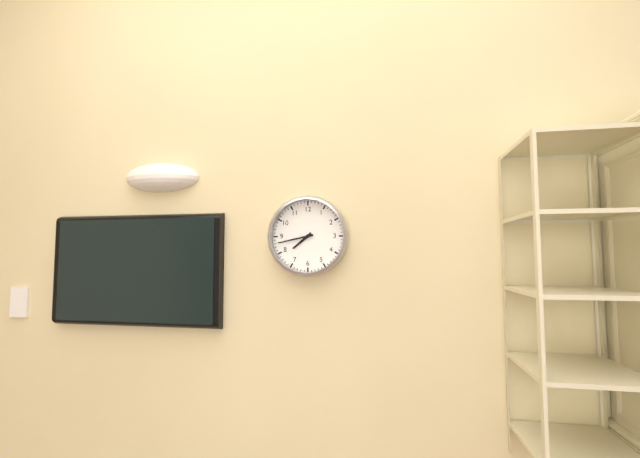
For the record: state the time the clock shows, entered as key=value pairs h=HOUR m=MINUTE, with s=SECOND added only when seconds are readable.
h=7 m=43
